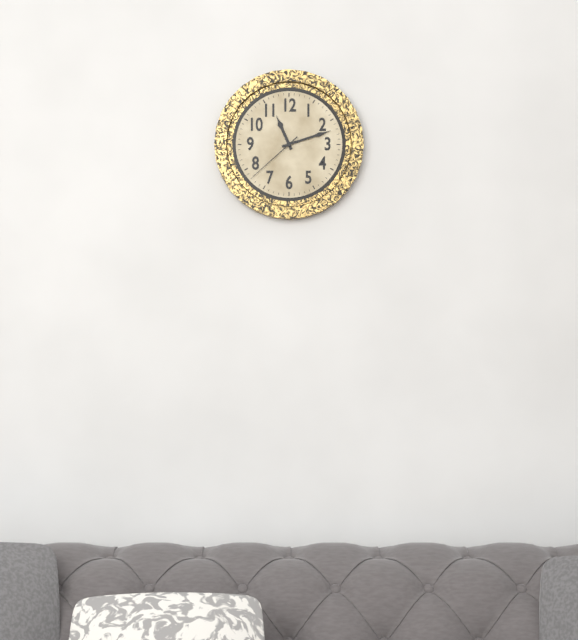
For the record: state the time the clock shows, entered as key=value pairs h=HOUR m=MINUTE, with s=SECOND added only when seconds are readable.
h=11 m=12 s=38
